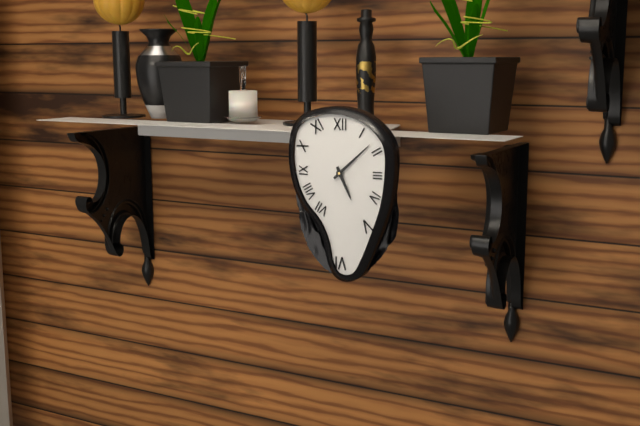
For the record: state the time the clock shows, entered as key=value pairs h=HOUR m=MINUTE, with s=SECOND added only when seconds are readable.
h=5 m=8
